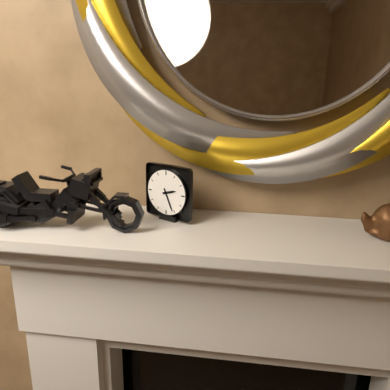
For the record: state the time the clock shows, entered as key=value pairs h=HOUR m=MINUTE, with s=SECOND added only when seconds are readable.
h=2 m=26
